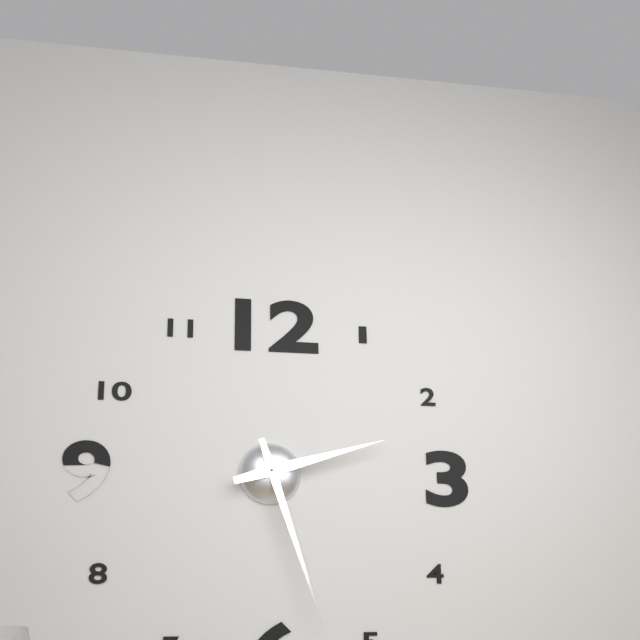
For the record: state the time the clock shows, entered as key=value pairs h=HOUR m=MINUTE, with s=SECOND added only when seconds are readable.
h=2 m=27
